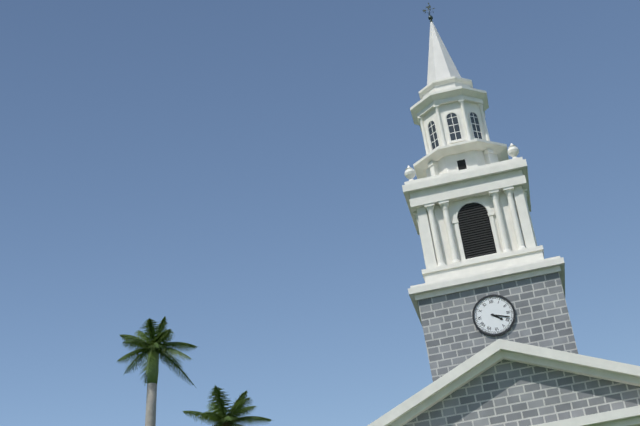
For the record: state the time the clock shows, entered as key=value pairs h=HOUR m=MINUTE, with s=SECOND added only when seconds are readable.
h=4 m=18
